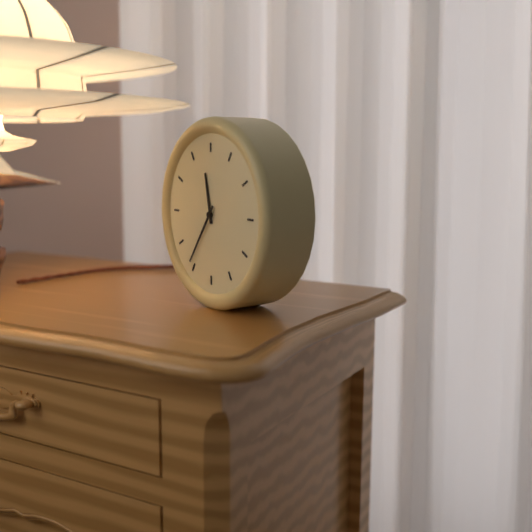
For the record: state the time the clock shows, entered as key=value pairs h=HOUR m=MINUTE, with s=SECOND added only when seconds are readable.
h=11 m=36
